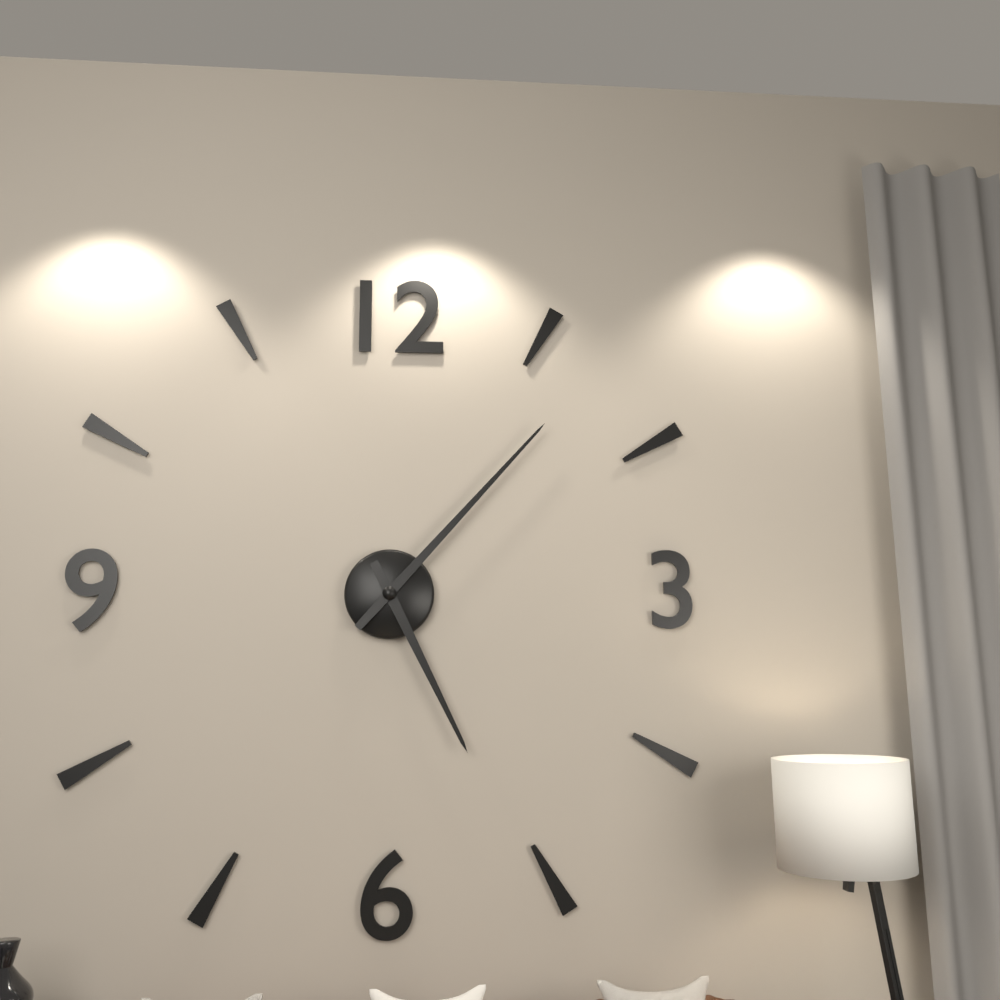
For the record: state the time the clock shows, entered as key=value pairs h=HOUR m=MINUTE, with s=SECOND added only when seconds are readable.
h=5 m=7
